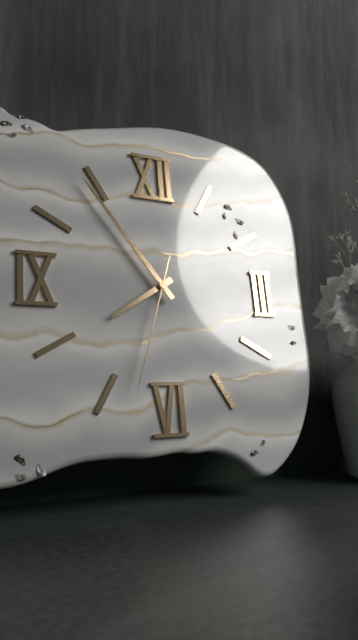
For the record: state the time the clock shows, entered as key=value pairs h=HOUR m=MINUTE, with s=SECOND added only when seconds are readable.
h=7 m=54 s=33
